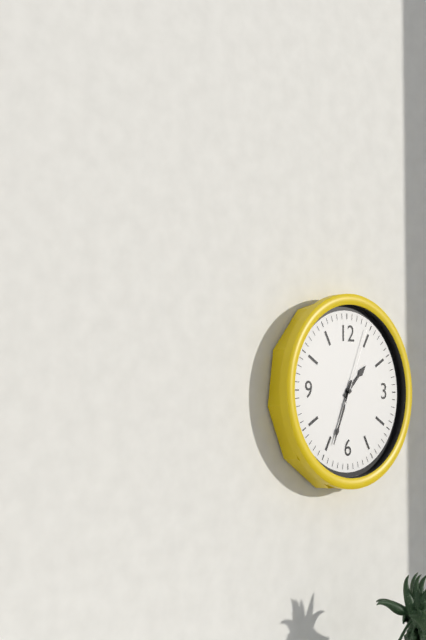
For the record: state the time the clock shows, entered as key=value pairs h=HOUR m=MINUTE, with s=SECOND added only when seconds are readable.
h=1 m=34 s=4
